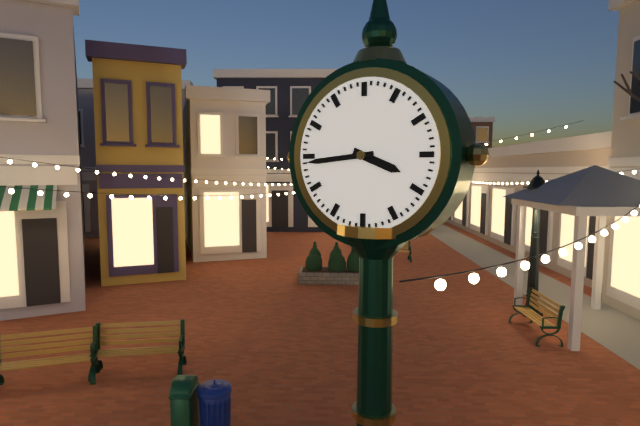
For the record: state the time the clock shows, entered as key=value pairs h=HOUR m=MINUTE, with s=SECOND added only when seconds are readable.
h=3 m=44
